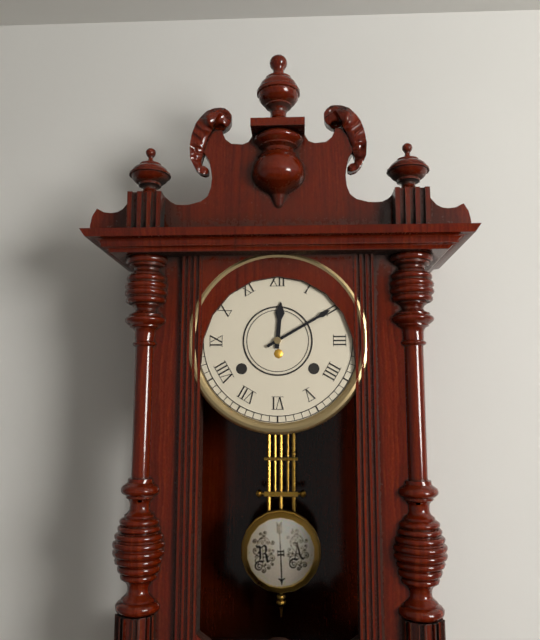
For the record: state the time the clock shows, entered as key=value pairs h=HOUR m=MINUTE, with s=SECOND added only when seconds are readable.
h=12 m=10
